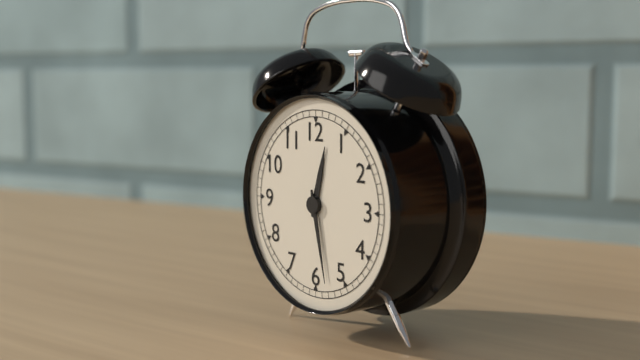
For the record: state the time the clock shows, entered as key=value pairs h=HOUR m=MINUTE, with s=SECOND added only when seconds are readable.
h=12 m=28
